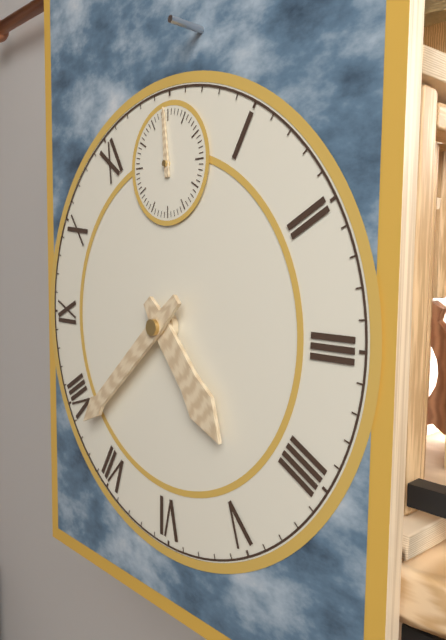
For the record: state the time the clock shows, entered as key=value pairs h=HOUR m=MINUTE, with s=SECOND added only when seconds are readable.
h=4 m=38 s=59
